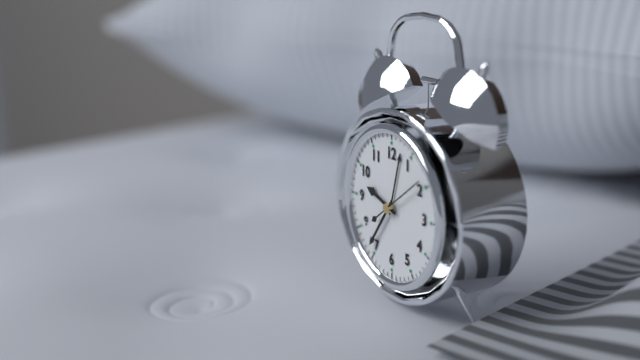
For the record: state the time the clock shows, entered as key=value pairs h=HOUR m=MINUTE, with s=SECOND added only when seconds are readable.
h=9 m=36 s=9
